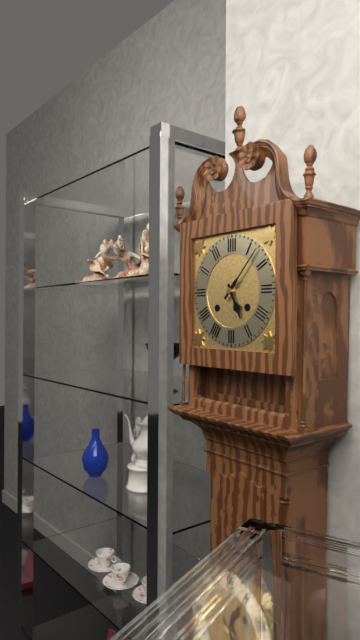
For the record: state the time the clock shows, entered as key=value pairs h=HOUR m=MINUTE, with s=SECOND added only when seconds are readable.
h=5 m=7
